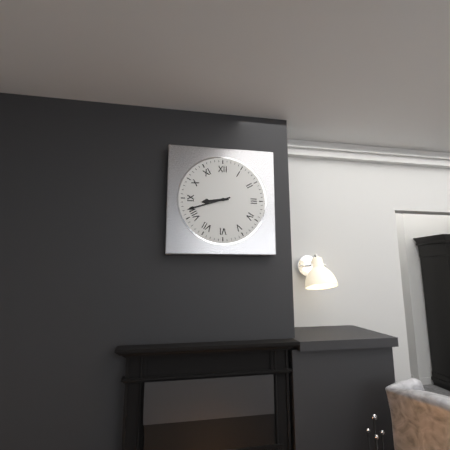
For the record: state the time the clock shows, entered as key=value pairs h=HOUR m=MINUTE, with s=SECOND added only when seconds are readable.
h=8 m=42
